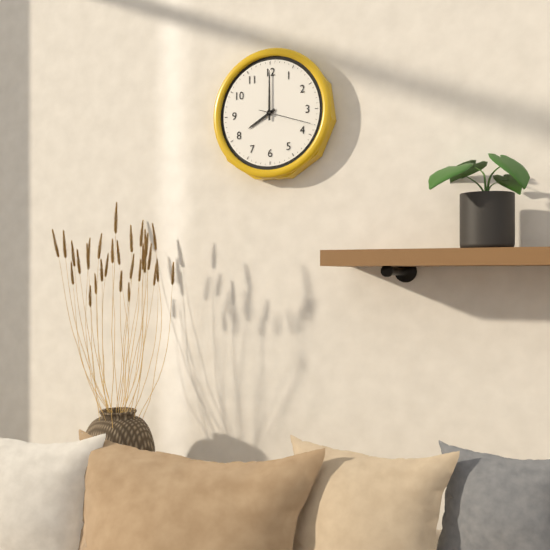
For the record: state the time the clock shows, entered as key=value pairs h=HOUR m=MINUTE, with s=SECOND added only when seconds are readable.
h=8 m=0 s=18
